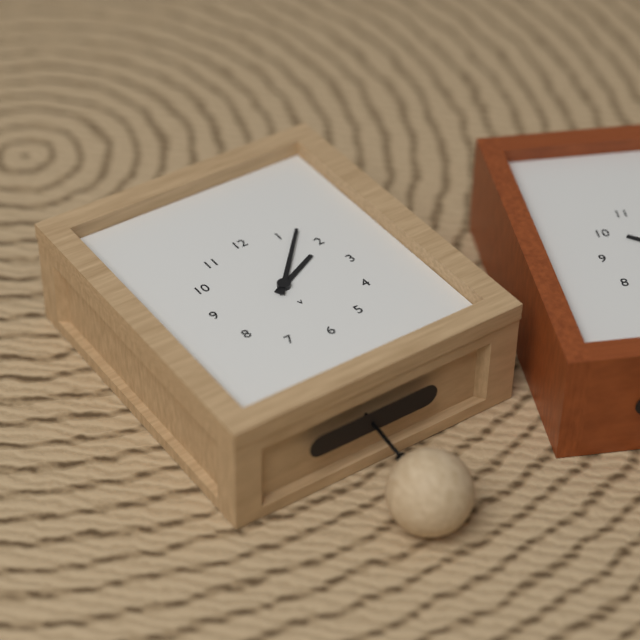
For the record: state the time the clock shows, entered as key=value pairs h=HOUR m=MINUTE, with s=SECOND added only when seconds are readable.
h=2 m=7
